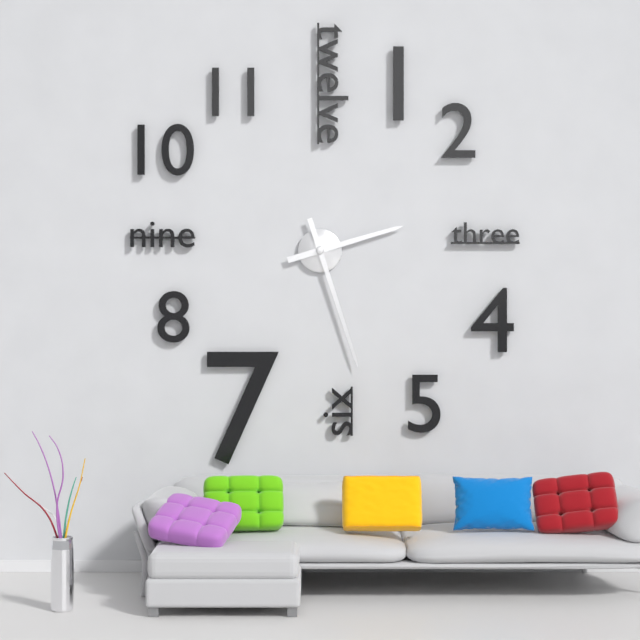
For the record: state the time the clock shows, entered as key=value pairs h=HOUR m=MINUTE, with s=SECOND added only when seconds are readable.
h=2 m=27
